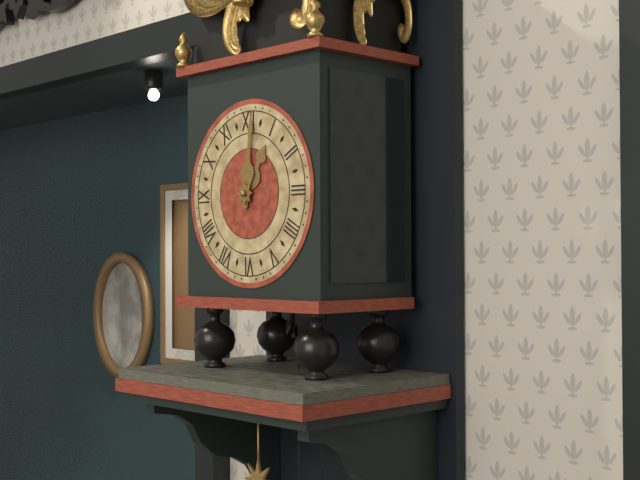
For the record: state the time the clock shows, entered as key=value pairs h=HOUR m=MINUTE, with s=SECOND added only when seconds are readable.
h=1 m=1
